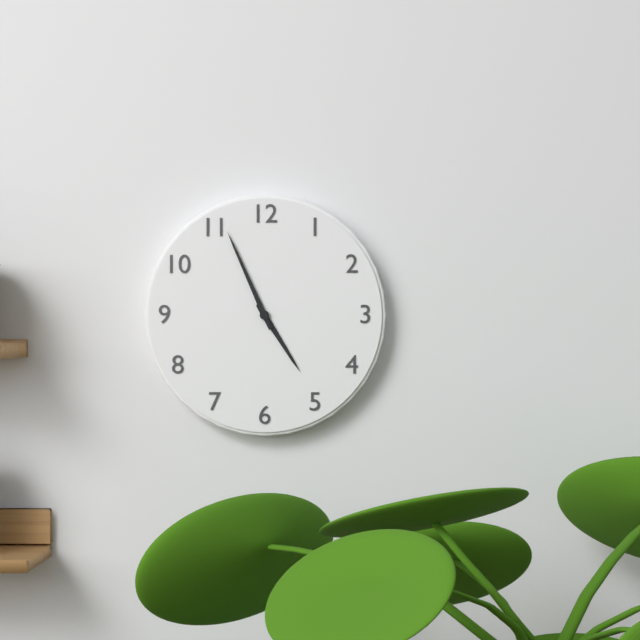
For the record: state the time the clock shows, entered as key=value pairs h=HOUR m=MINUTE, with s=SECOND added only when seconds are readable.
h=4 m=56
